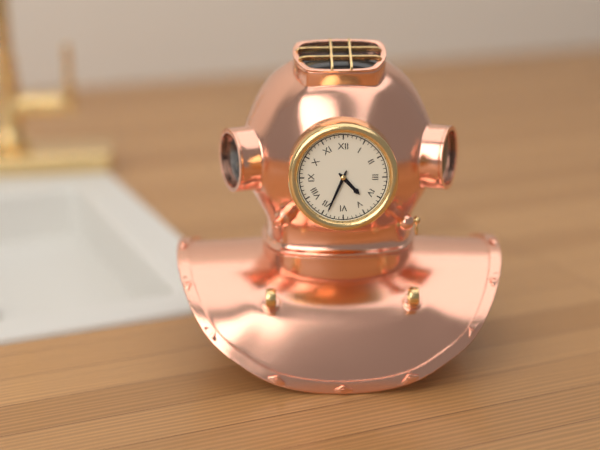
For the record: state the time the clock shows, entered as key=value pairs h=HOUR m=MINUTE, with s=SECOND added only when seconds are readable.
h=4 m=34
